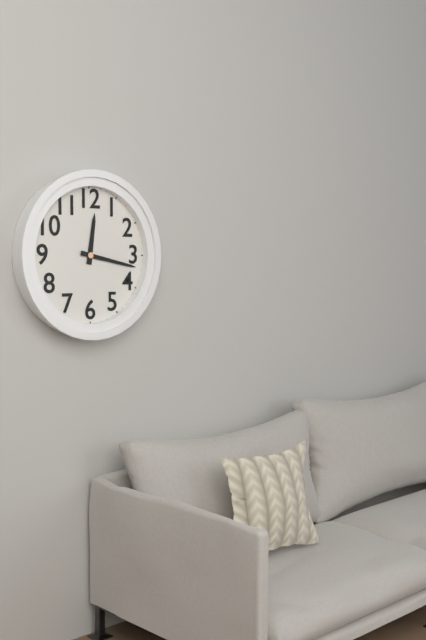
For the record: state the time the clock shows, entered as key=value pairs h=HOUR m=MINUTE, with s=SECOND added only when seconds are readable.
h=12 m=17
